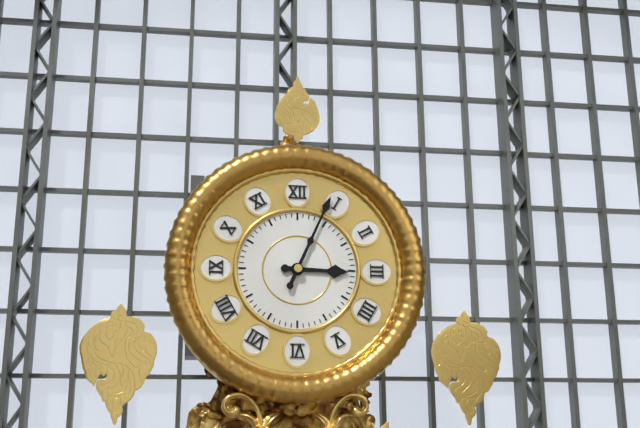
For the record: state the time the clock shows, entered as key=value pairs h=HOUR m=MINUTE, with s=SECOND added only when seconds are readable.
h=3 m=4
